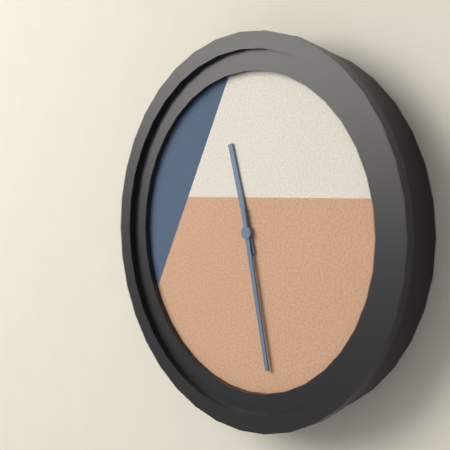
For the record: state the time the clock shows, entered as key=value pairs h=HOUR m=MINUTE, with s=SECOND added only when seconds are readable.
h=11 m=28
